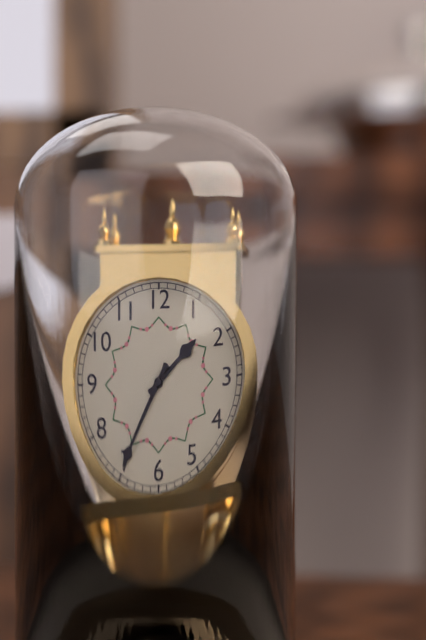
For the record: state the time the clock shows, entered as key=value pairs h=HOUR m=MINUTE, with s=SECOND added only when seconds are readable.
h=1 m=35
